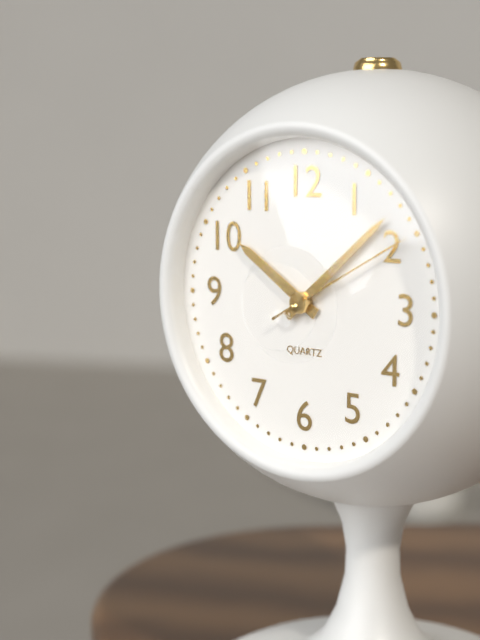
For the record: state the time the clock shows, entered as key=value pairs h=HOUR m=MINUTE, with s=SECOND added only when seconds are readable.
h=10 m=8 s=10
